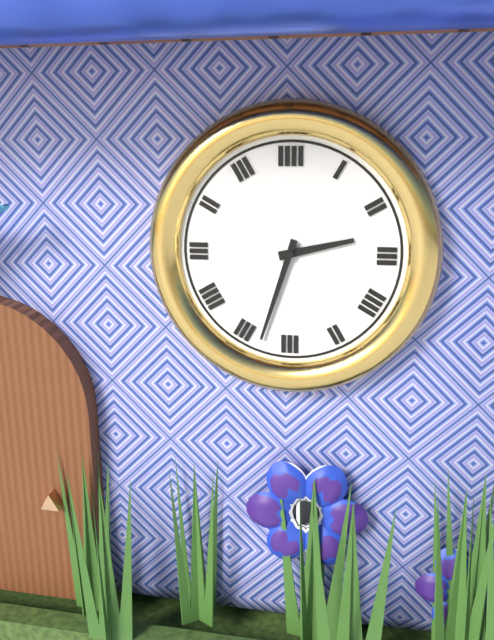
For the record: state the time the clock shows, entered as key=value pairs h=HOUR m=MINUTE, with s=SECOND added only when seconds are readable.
h=2 m=33
